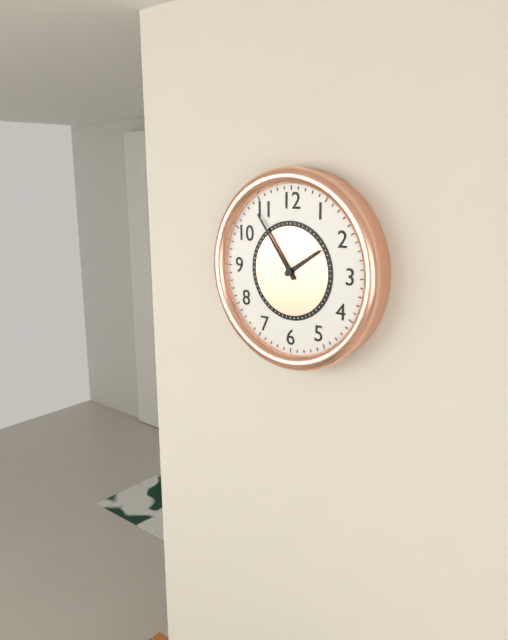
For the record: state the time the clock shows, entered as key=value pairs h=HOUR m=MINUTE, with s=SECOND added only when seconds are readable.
h=1 m=54
